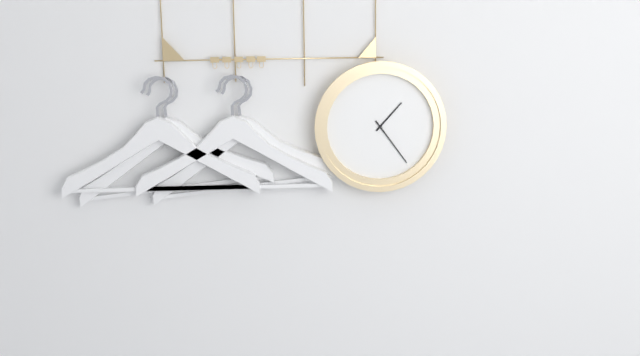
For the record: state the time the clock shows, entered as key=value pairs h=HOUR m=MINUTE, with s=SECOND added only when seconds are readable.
h=1 m=24
